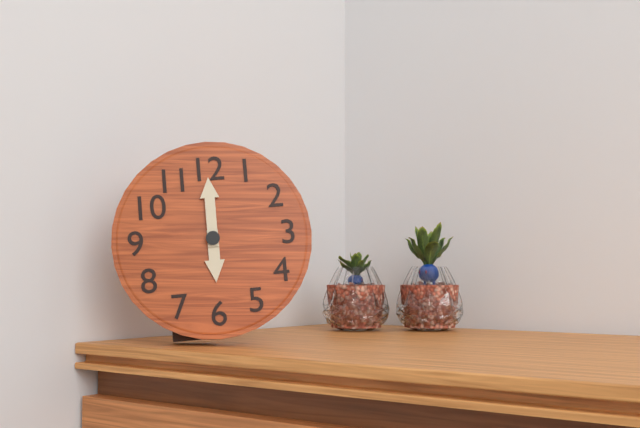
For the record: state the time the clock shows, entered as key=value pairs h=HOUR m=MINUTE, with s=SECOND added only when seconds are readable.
h=6 m=0
